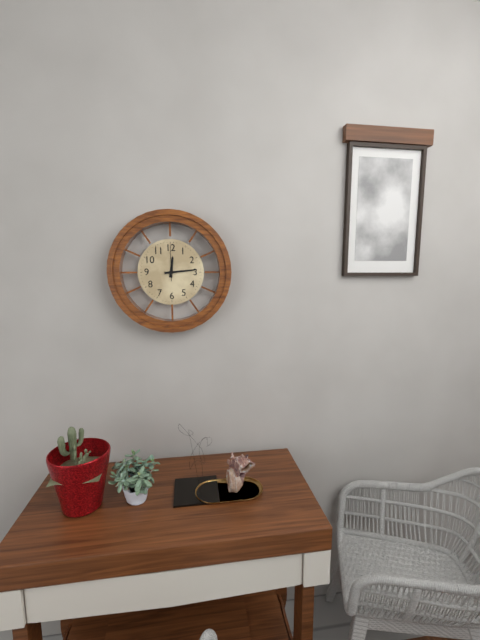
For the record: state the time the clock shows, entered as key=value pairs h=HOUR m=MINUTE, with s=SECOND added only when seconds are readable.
h=12 m=14
